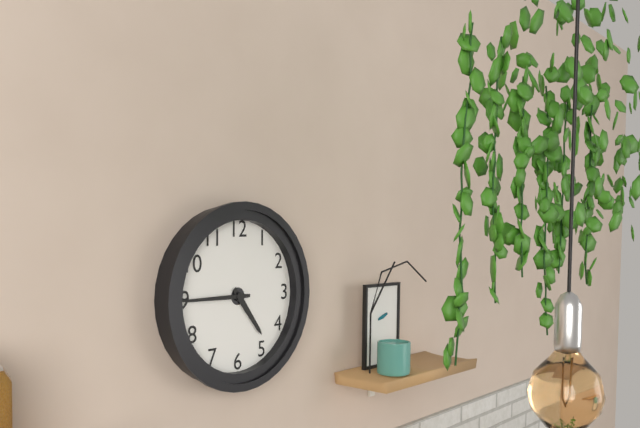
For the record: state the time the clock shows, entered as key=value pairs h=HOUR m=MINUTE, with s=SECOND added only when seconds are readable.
h=4 m=45
